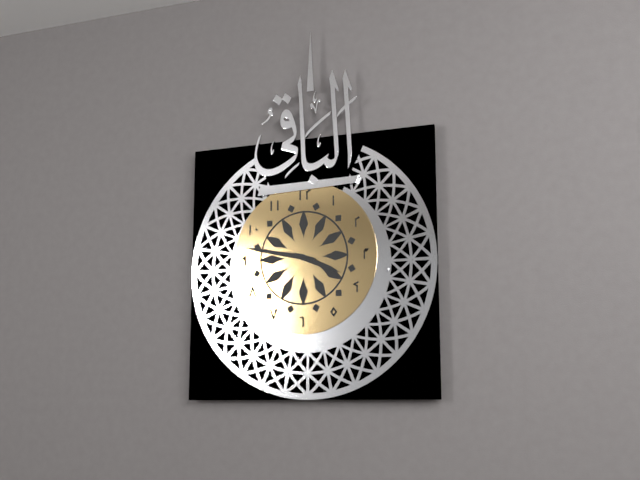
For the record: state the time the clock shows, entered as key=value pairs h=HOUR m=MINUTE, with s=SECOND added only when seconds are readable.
h=3 m=47
